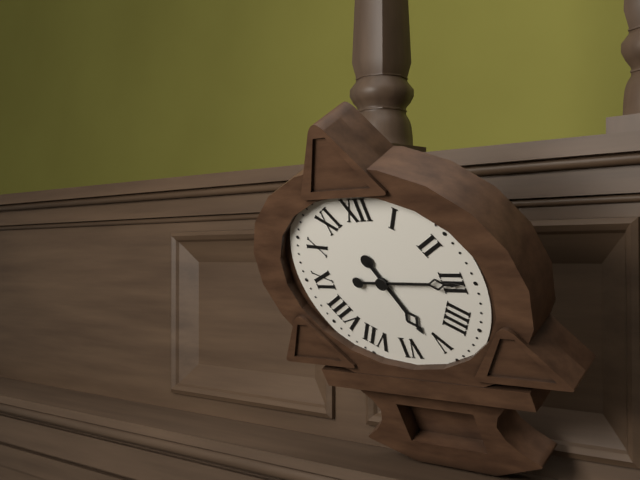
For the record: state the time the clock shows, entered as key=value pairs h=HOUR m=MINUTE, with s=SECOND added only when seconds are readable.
h=5 m=15
